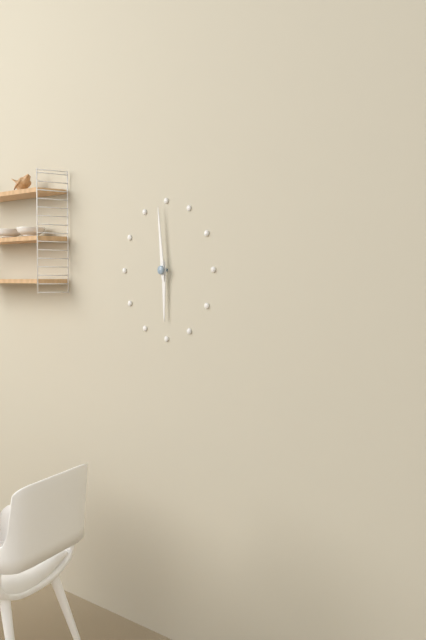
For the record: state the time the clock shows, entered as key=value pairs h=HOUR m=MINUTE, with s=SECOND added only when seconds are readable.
h=5 m=59
